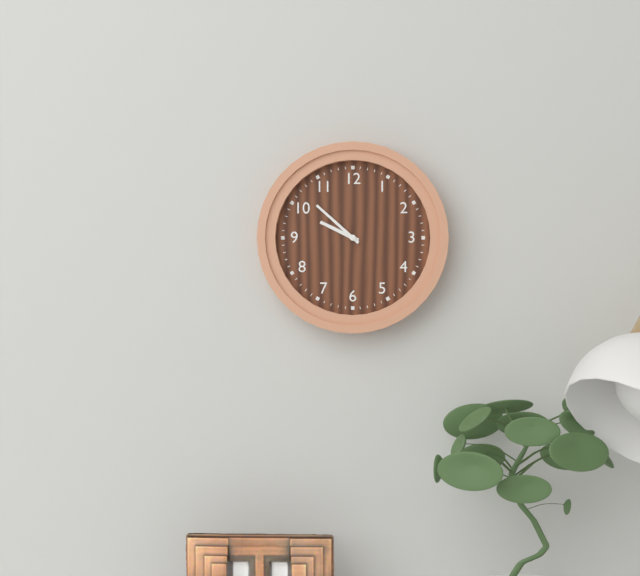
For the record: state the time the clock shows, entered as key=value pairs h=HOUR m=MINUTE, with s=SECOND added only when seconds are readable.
h=9 m=52
